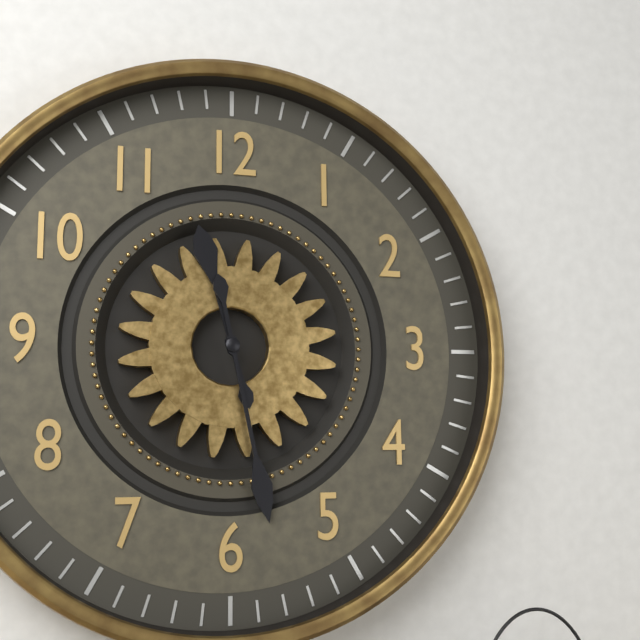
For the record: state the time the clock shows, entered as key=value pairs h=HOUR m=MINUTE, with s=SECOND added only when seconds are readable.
h=11 m=28
